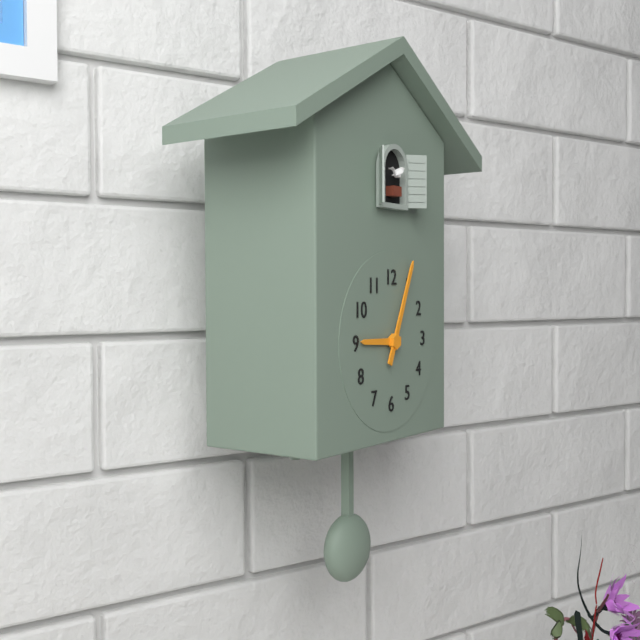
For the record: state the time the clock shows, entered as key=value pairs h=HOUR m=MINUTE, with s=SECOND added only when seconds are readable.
h=9 m=4
